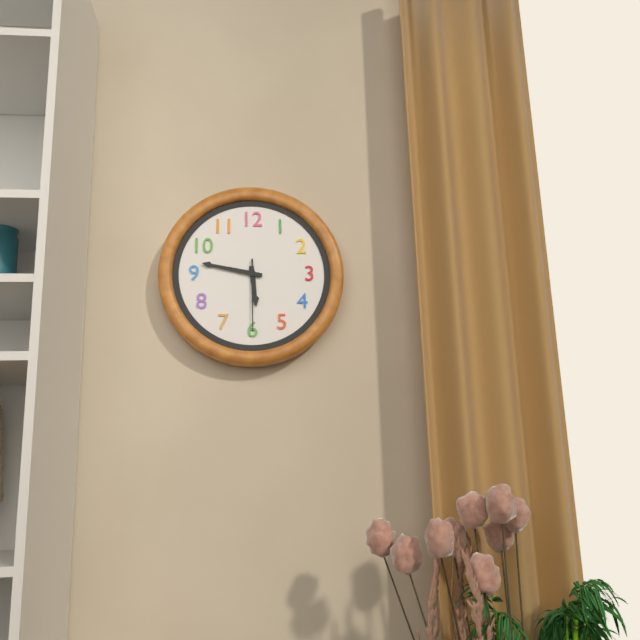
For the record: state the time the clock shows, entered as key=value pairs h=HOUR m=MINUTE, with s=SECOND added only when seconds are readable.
h=5 m=47 s=30
